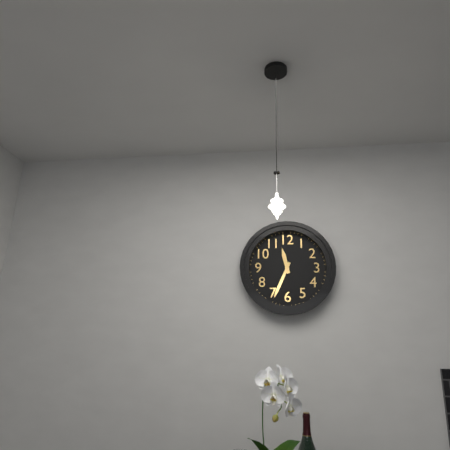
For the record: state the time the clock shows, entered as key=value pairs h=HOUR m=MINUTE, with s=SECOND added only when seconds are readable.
h=11 m=34
